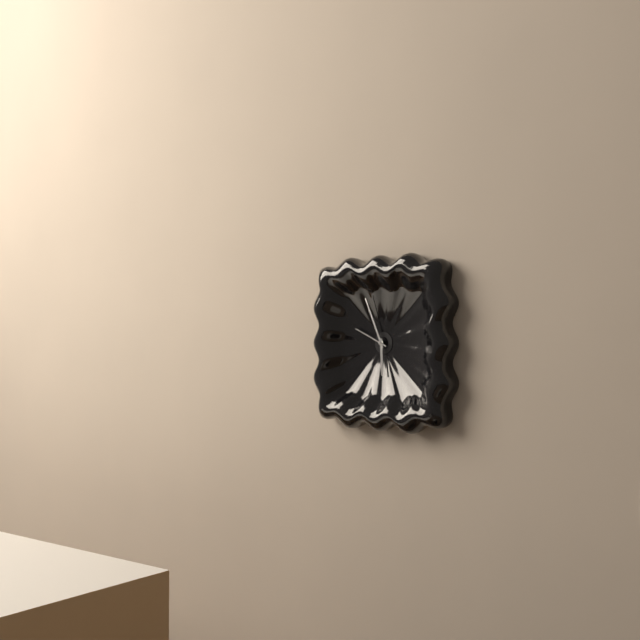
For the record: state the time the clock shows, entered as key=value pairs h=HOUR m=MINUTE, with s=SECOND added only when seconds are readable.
h=5 m=56
